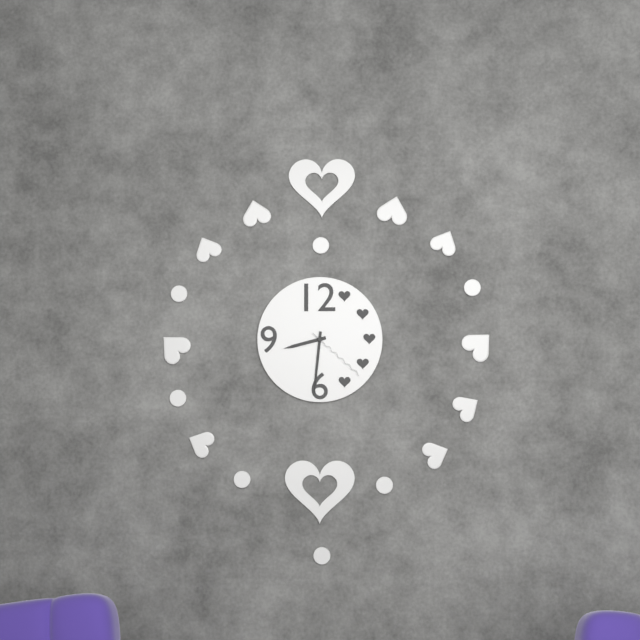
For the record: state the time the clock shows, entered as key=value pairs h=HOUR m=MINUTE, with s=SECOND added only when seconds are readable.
h=8 m=31 s=22
